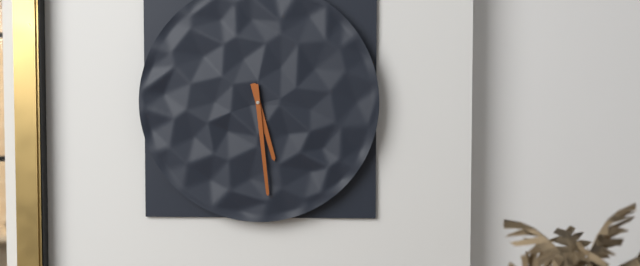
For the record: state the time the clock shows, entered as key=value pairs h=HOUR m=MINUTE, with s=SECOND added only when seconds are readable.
h=5 m=29
